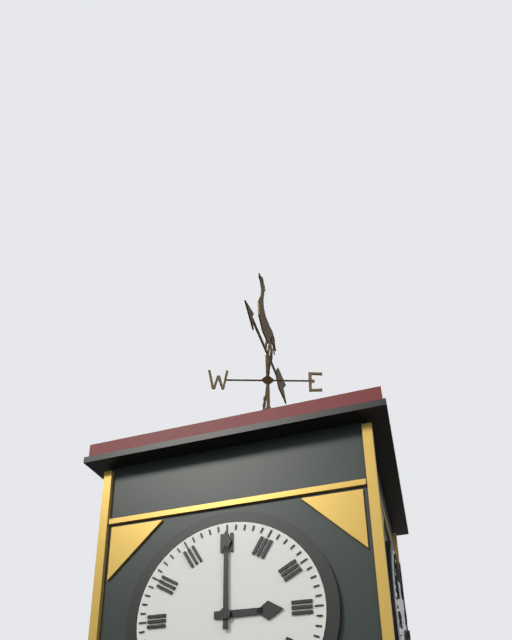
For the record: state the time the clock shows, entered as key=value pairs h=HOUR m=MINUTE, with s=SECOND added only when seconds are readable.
h=3 m=0
